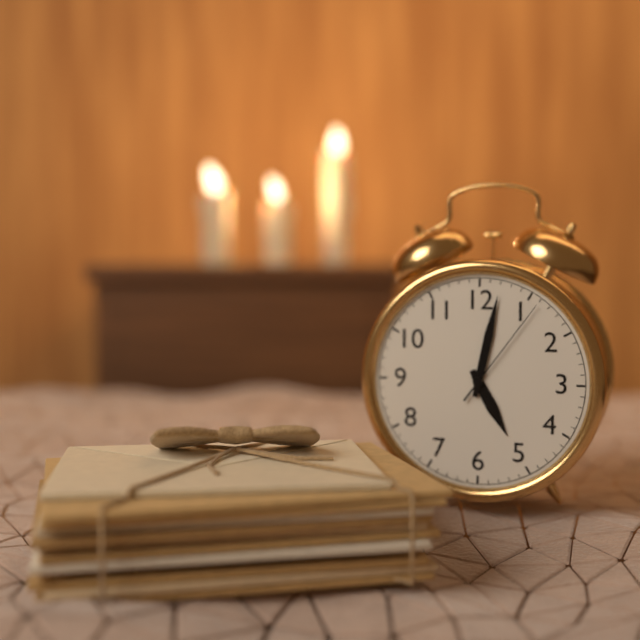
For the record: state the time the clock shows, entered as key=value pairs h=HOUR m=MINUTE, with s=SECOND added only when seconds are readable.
h=5 m=2 s=6
